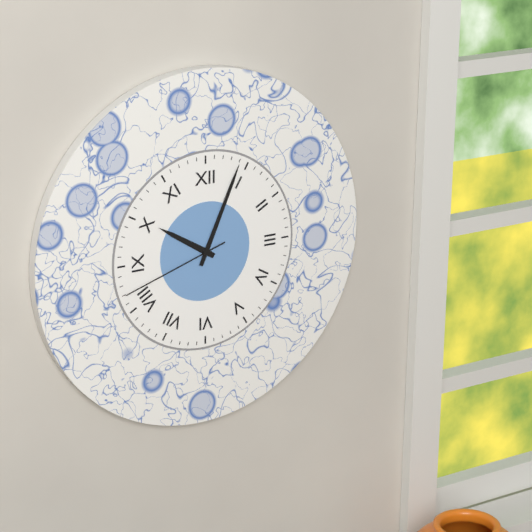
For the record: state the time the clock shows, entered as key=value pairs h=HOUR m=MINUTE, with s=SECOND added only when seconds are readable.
h=10 m=4 s=42
